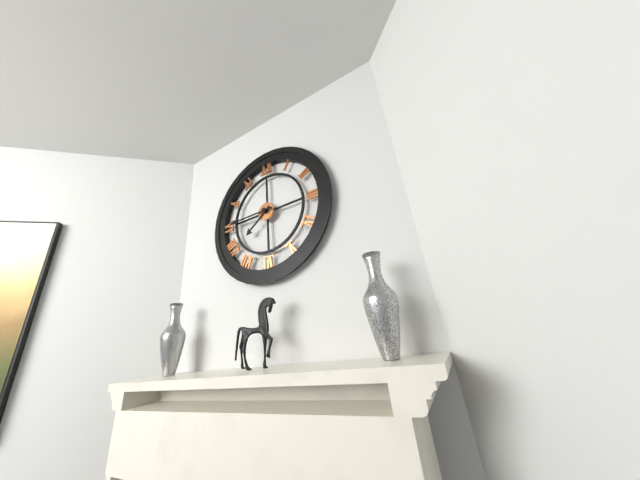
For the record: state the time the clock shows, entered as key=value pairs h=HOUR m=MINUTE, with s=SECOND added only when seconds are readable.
h=7 m=45
